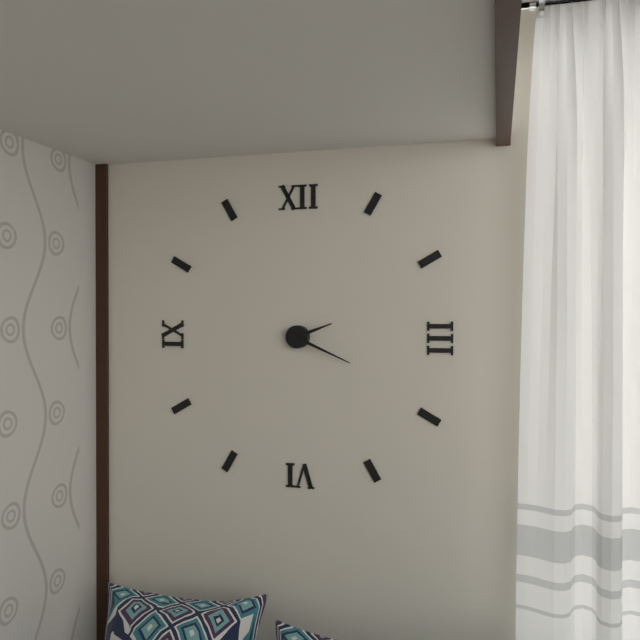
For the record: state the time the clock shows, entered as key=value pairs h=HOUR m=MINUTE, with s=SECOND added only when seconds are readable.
h=2 m=19
